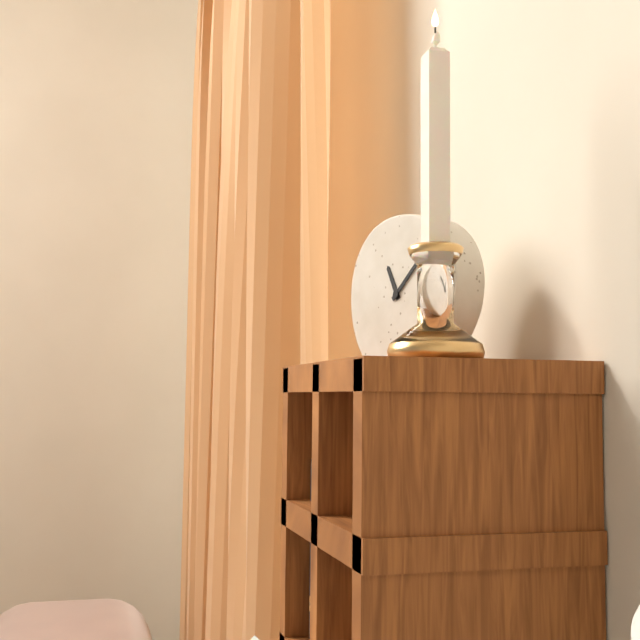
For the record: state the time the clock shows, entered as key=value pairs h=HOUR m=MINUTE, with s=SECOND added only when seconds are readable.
h=11 m=8
